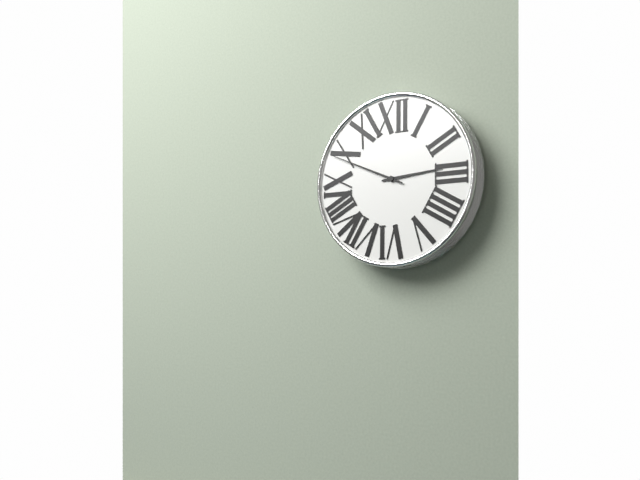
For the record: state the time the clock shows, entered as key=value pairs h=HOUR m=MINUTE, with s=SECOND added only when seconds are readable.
h=2 m=49
